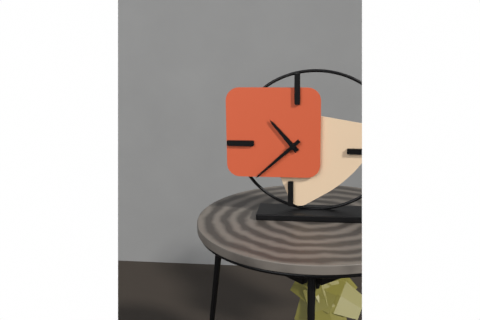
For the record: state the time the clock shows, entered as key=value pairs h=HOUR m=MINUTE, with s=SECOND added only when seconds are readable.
h=10 m=38
